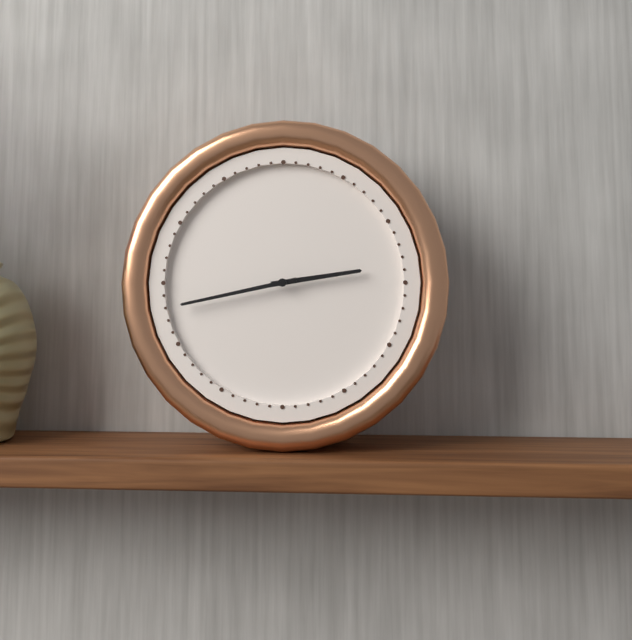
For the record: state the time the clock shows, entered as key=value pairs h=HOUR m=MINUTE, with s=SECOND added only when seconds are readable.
h=2 m=43
